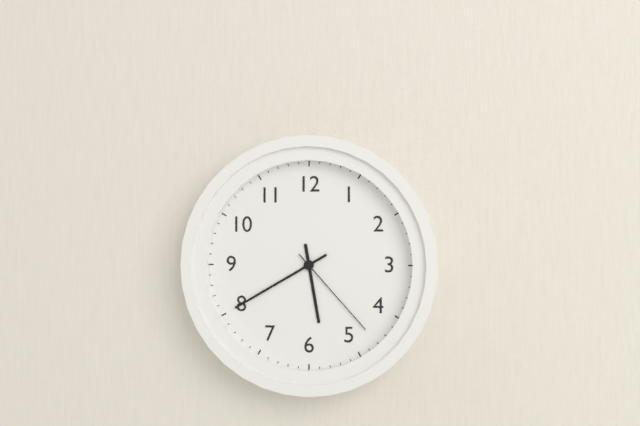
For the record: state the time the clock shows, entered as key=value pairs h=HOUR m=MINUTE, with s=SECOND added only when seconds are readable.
h=5 m=40 s=23
